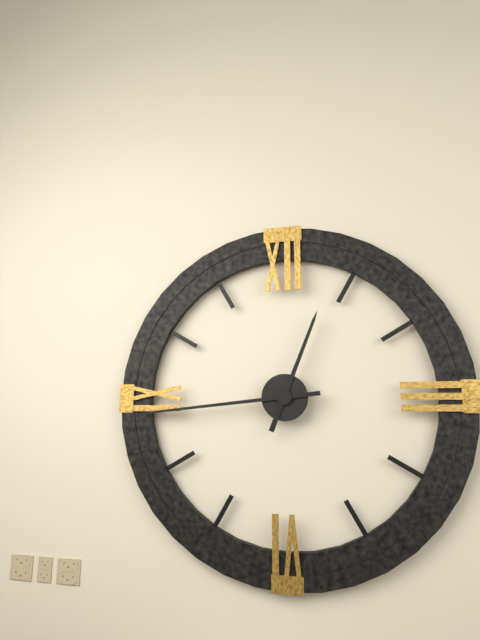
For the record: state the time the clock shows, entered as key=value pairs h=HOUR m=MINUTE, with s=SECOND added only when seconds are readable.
h=12 m=44
